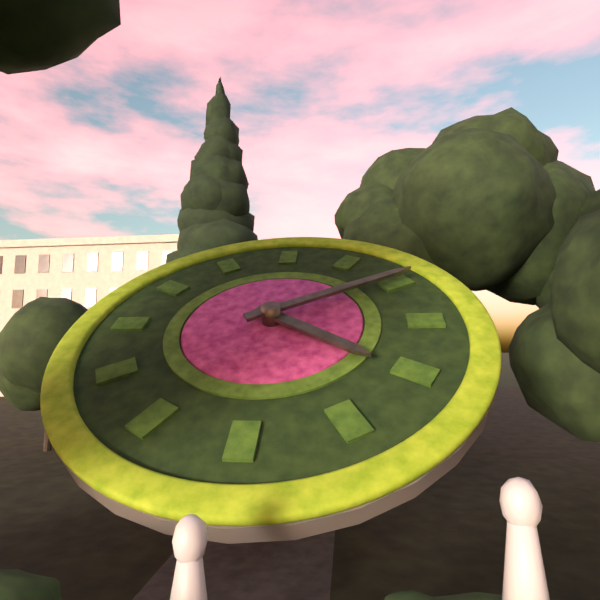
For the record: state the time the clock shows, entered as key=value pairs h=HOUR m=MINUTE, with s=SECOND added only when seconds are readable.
h=4 m=10
